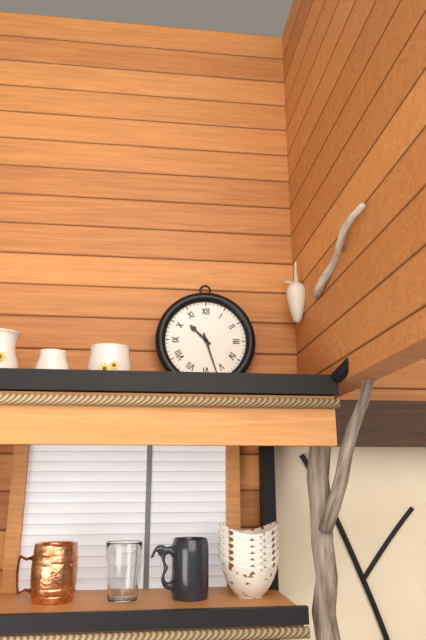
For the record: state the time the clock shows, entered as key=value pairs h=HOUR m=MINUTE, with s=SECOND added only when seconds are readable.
h=10 m=27
